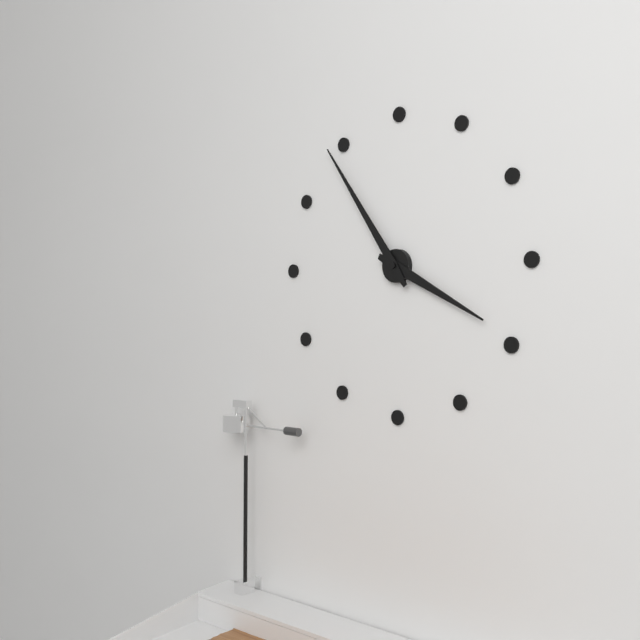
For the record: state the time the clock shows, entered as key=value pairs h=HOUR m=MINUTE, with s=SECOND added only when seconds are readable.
h=3 m=54
